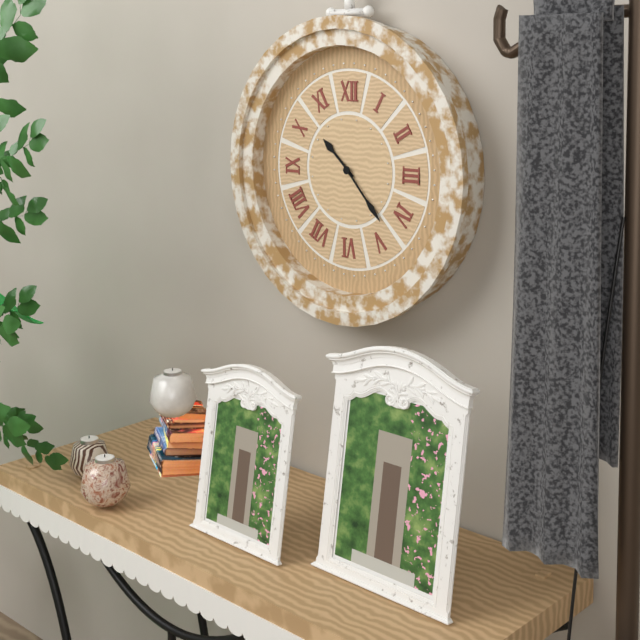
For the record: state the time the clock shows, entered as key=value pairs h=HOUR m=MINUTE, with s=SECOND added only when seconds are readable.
h=10 m=23
